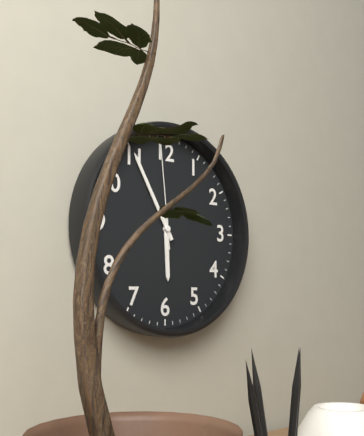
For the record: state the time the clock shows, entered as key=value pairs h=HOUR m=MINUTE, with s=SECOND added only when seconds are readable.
h=5 m=55 s=59
